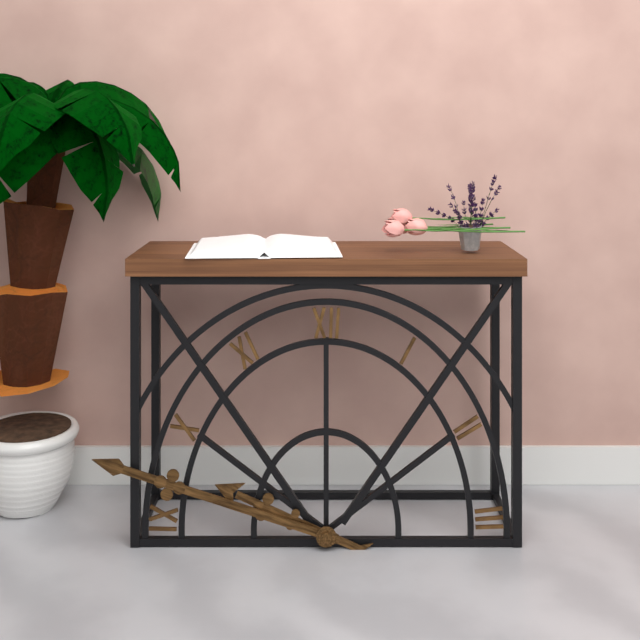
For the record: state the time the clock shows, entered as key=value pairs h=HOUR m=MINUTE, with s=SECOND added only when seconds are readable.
h=9 m=48
